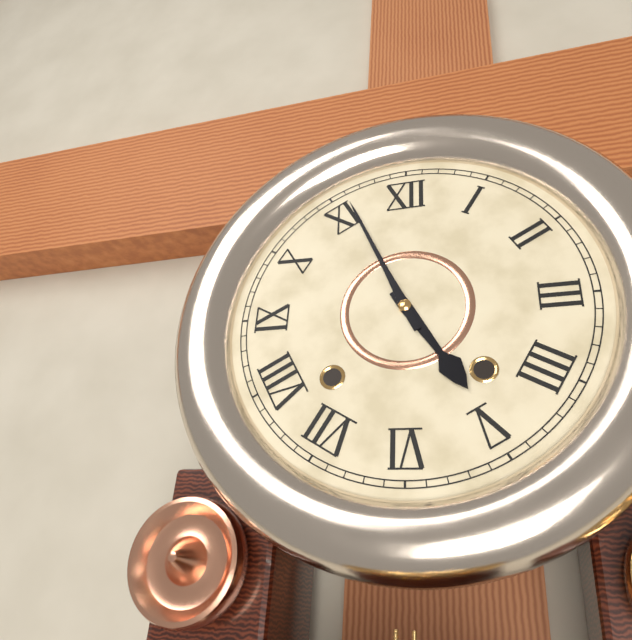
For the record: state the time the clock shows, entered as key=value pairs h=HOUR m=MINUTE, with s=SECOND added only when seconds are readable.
h=4 m=56
